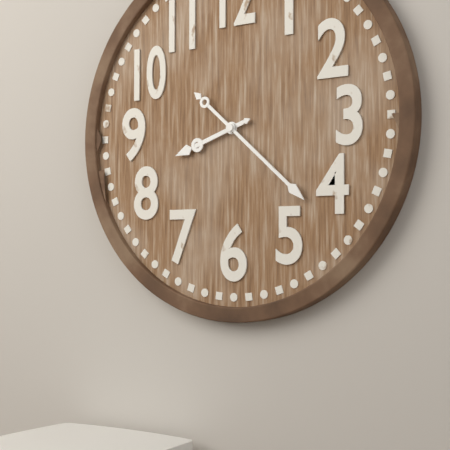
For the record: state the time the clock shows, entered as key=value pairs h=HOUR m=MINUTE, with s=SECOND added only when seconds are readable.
h=8 m=22
